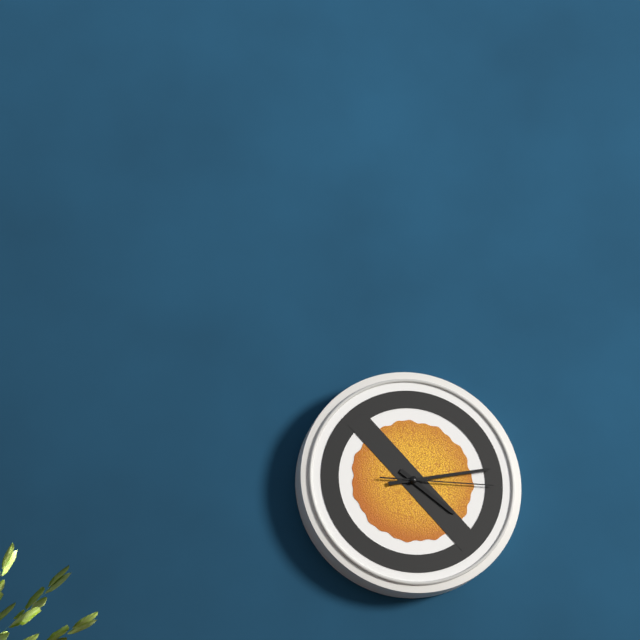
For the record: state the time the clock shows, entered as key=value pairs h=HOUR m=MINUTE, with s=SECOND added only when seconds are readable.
h=4 m=13 s=15
